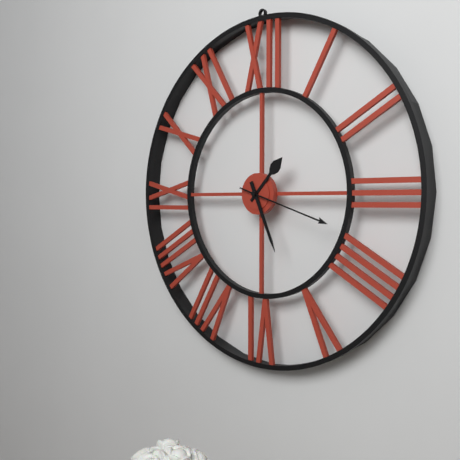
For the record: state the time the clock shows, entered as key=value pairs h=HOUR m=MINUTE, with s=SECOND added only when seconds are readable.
h=1 m=26 s=18
